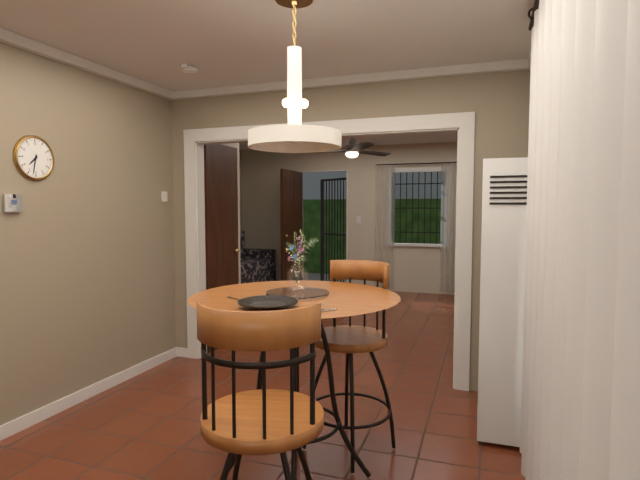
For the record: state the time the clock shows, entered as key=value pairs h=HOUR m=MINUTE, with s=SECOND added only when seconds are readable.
h=7 m=32
